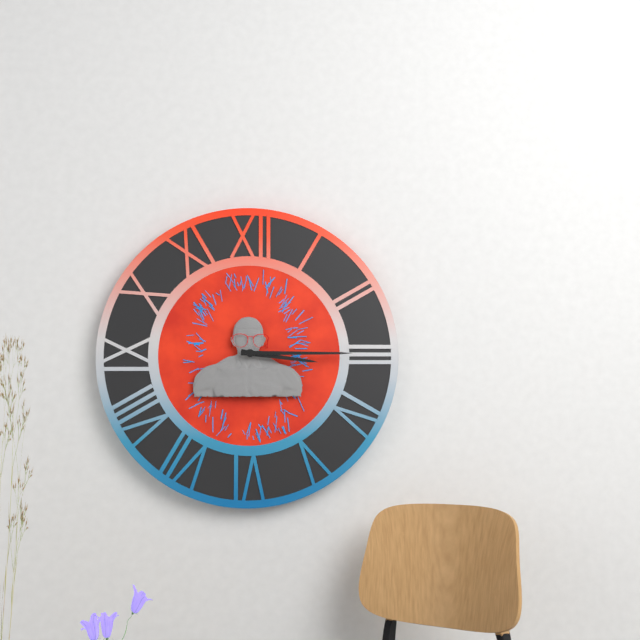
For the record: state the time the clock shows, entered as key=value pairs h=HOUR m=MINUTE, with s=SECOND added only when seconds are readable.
h=3 m=15
